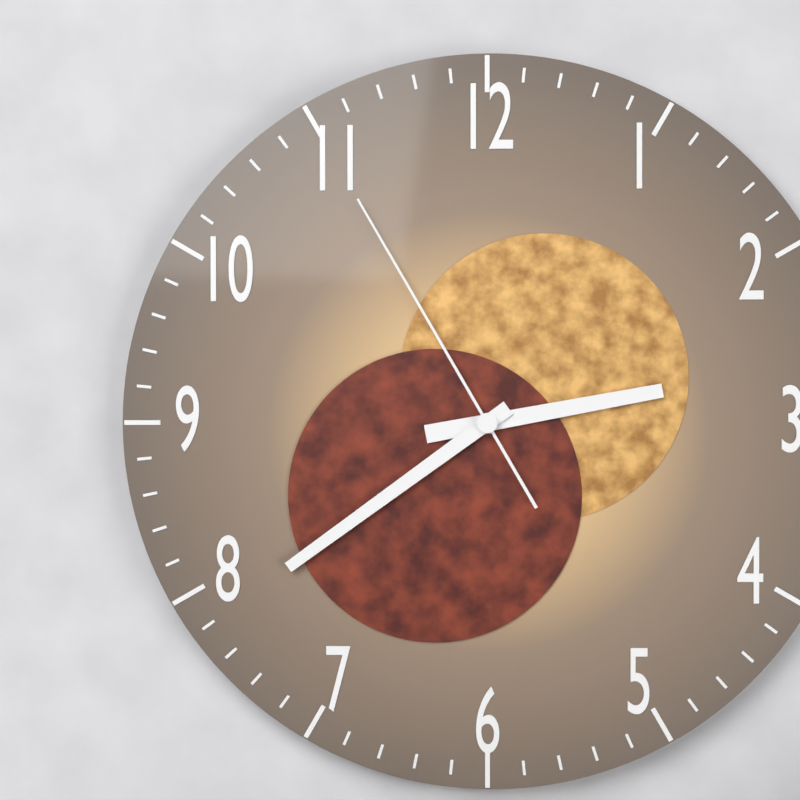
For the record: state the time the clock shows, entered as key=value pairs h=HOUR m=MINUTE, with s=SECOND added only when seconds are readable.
h=2 m=39 s=55
